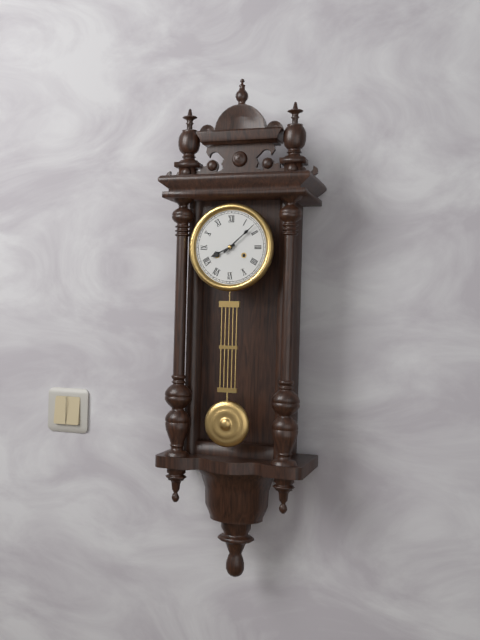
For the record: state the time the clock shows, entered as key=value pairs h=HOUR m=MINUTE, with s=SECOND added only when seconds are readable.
h=8 m=8
